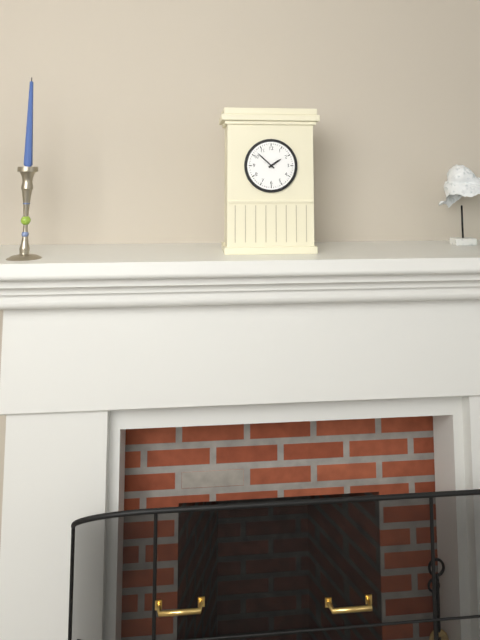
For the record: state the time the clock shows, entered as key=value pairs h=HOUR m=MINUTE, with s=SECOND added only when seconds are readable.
h=1 m=52
